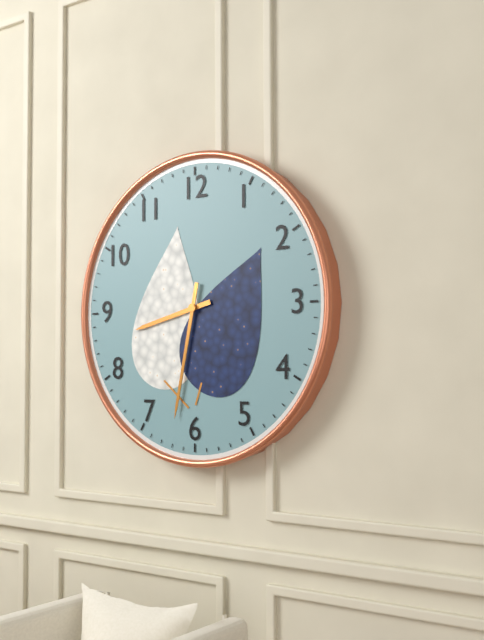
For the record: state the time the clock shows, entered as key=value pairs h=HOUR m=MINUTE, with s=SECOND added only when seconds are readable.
h=8 m=32
